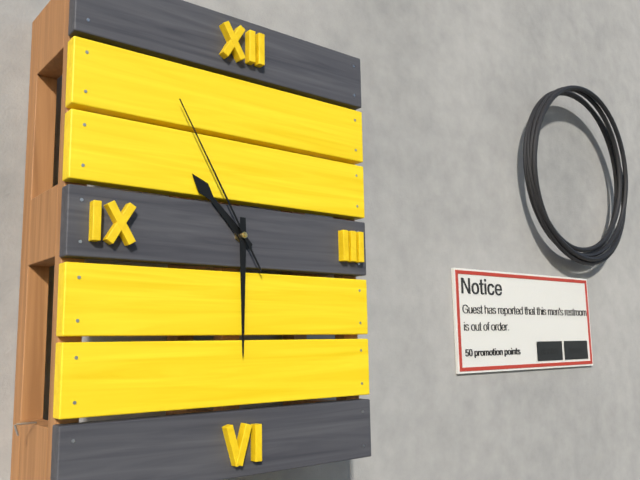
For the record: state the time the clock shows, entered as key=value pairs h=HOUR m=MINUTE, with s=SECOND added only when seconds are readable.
h=10 m=30 s=55
